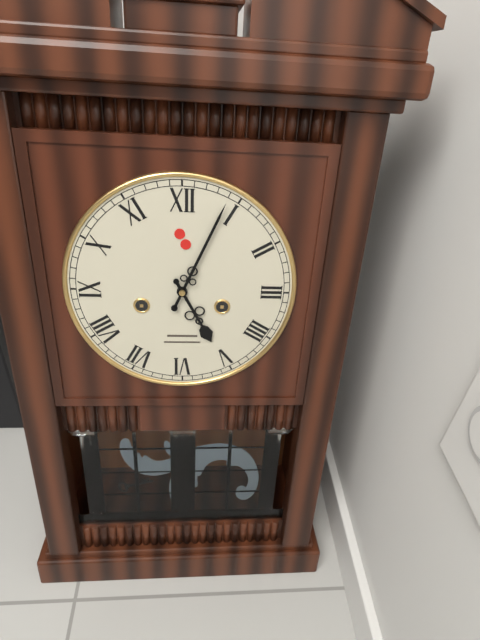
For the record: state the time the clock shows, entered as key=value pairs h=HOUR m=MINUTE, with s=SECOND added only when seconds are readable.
h=5 m=4
